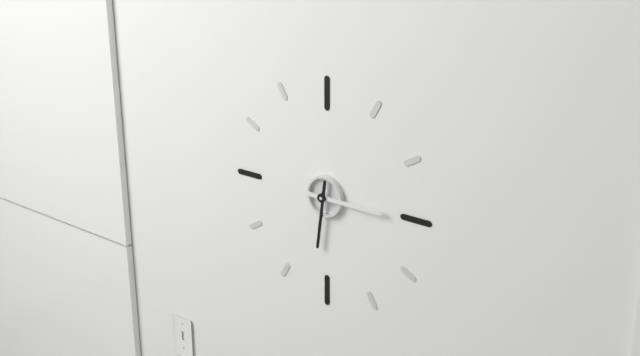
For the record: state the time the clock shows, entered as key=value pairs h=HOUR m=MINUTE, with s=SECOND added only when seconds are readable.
h=6 m=15
